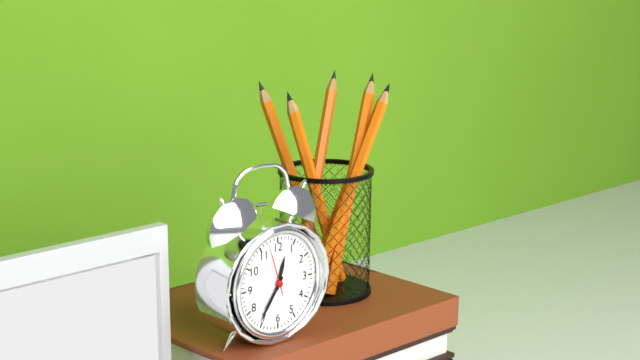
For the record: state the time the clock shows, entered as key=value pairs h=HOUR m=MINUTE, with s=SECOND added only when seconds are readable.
h=12 m=36
